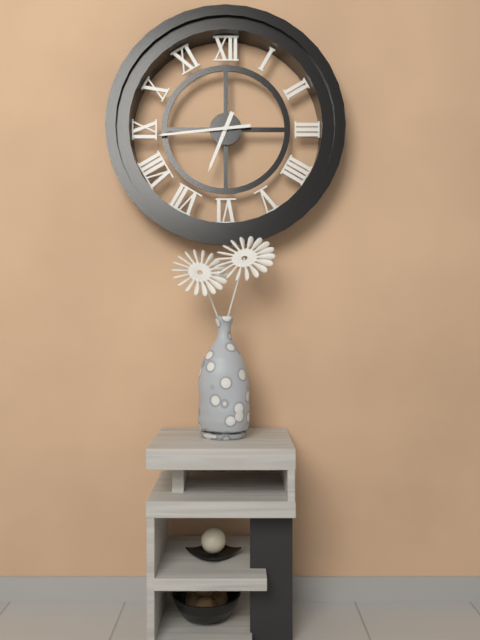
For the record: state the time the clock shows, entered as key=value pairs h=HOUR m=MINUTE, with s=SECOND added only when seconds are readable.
h=6 m=44
